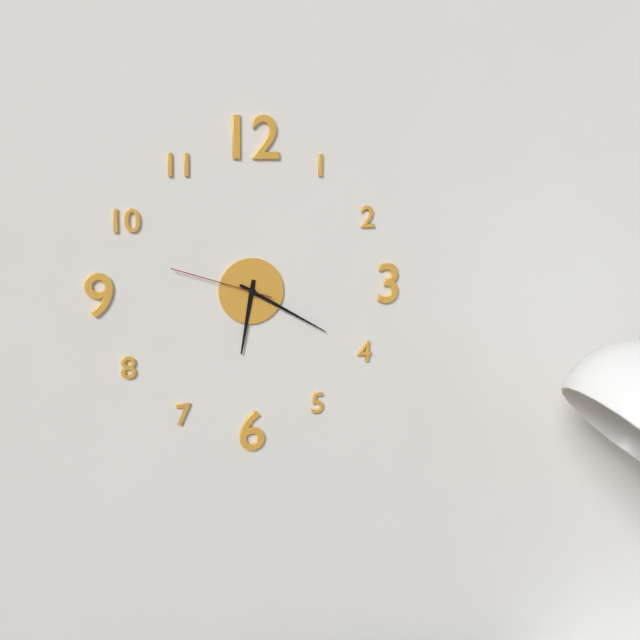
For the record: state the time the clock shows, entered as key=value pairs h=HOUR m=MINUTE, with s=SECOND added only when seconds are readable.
h=6 m=20 s=48
